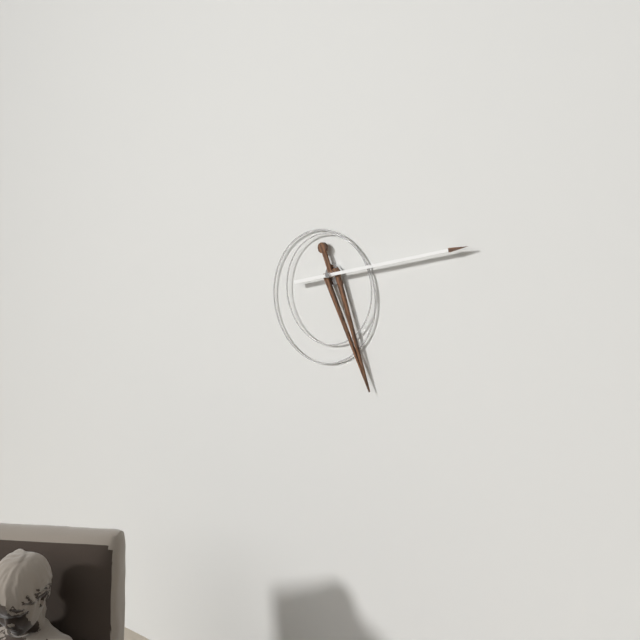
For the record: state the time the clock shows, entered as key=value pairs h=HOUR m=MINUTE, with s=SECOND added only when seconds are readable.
h=5 m=13
